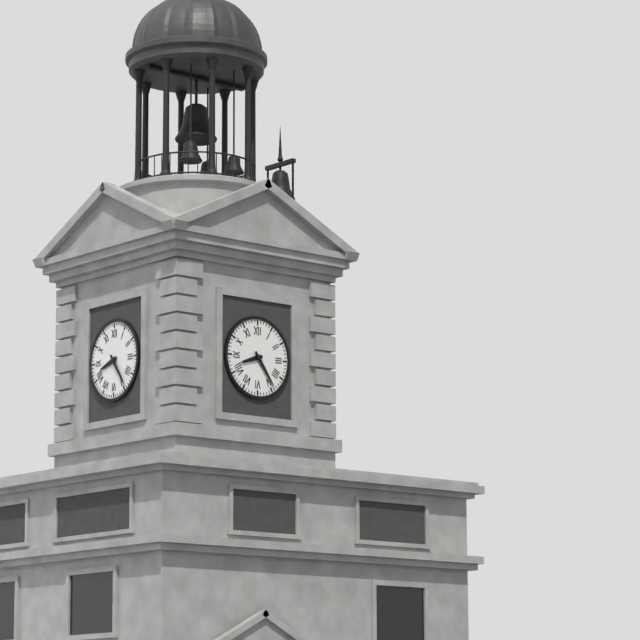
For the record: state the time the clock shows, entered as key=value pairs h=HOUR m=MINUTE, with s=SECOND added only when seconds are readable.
h=8 m=24
